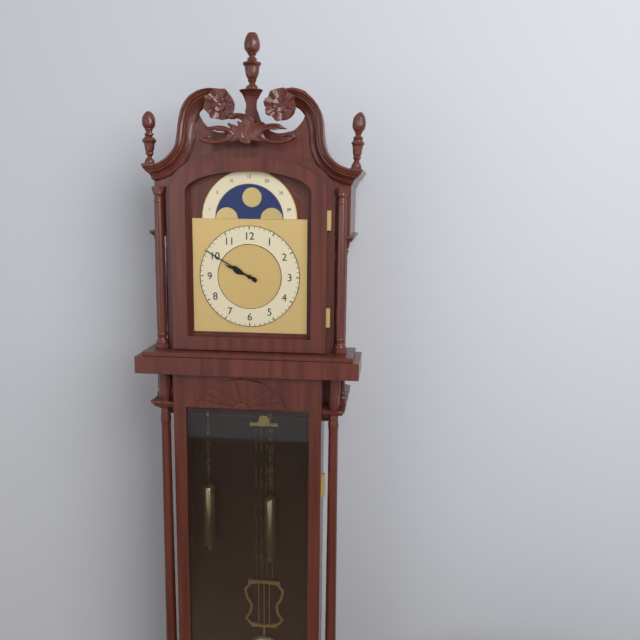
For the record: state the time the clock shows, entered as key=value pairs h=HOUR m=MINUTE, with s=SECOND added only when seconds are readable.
h=9 m=50
